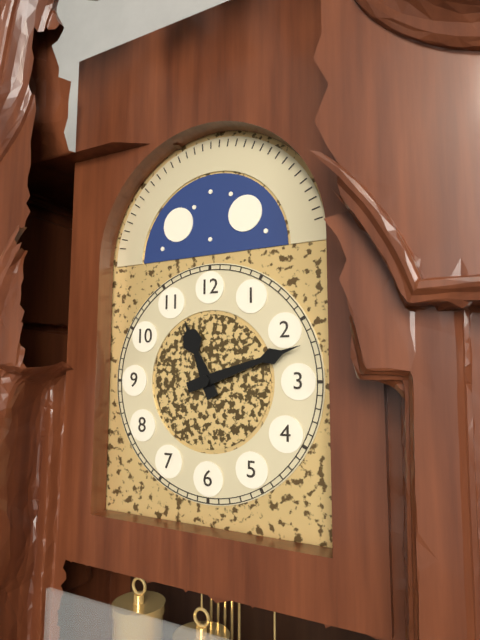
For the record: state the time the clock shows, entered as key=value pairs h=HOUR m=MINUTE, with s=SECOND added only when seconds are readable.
h=11 m=12
